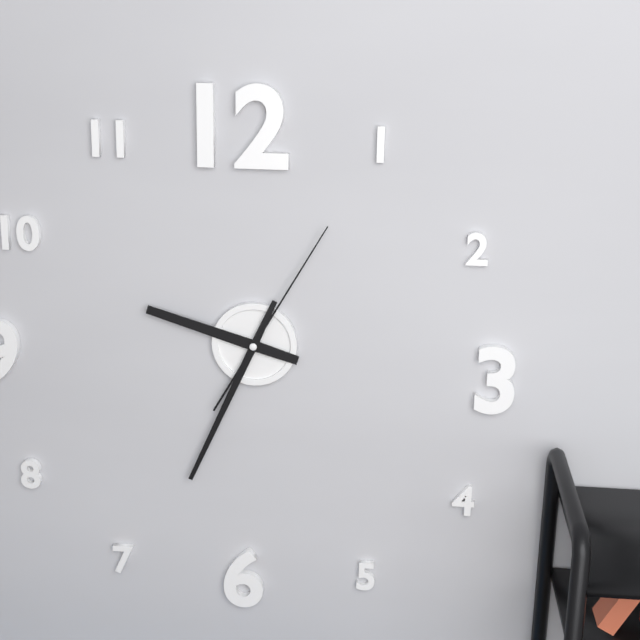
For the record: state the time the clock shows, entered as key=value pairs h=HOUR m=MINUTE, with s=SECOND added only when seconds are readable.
h=9 m=34 s=5
